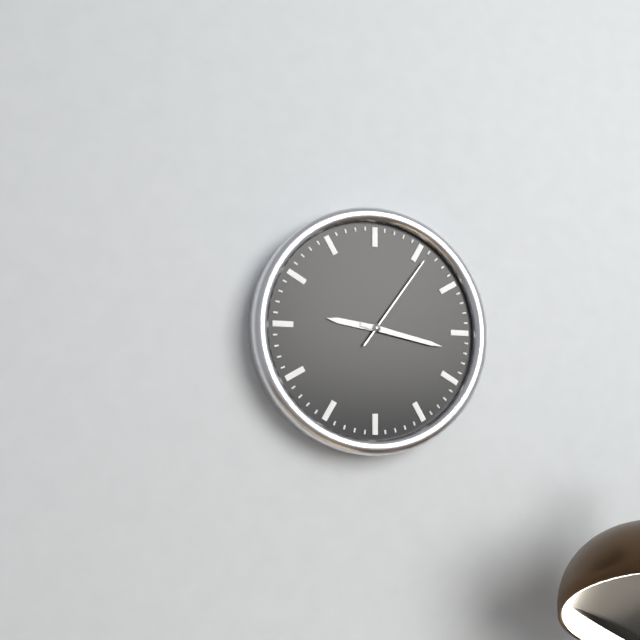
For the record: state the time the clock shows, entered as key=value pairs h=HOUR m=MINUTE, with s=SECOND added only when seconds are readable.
h=9 m=17 s=6
